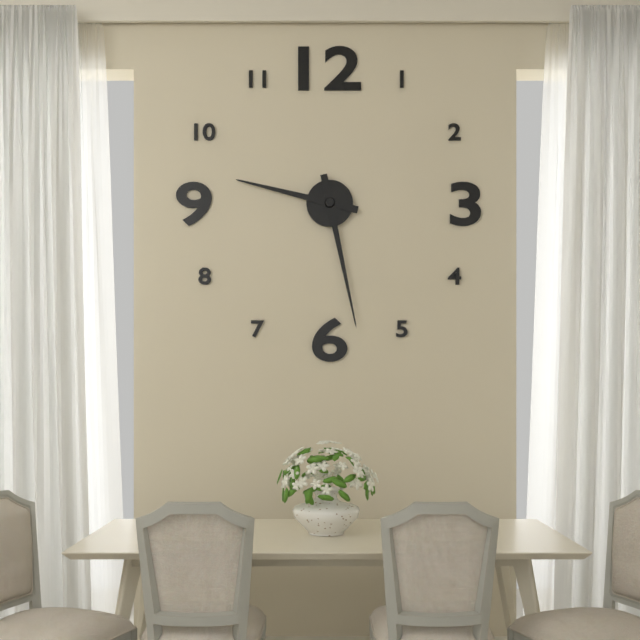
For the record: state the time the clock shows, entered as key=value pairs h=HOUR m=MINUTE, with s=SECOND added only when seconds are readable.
h=9 m=28
